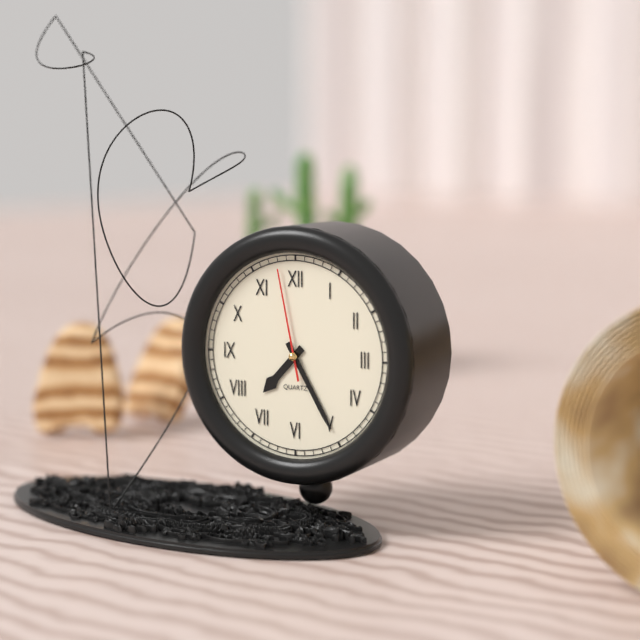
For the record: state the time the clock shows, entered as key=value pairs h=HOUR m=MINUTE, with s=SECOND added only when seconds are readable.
h=7 m=25 s=58
